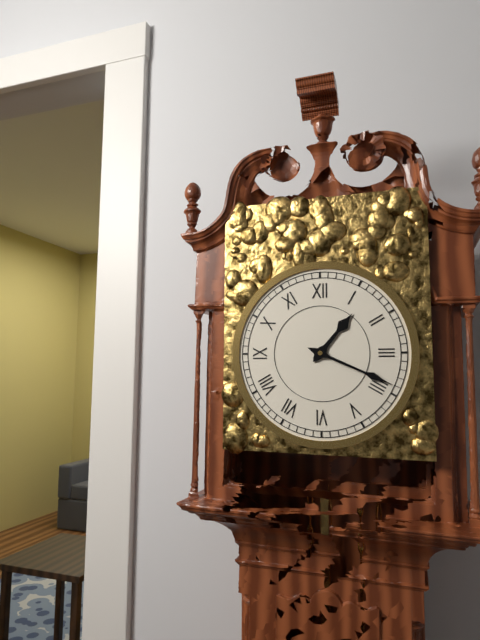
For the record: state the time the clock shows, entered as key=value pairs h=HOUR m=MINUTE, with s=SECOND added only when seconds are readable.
h=1 m=19
